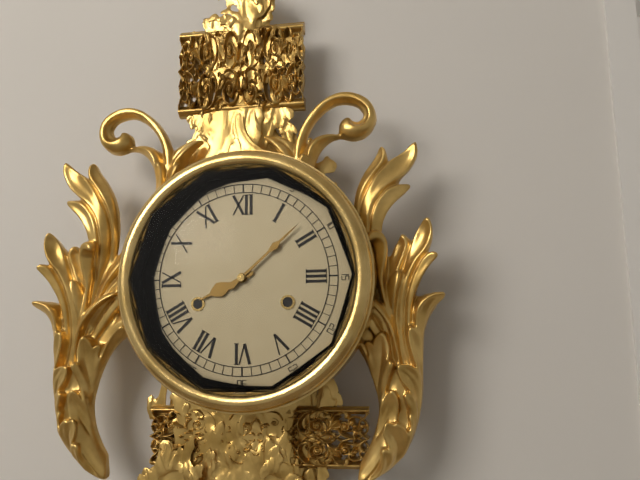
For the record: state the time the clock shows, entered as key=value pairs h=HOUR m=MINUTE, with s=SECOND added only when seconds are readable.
h=8 m=8
